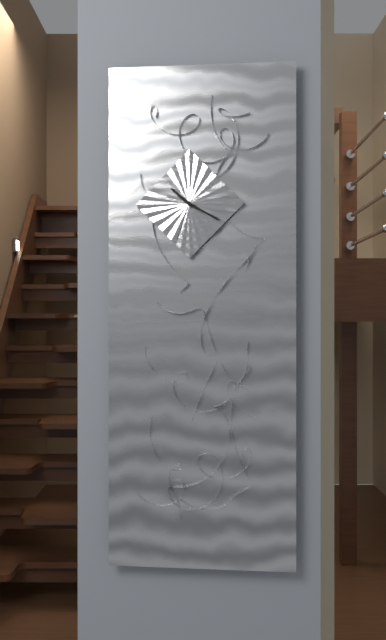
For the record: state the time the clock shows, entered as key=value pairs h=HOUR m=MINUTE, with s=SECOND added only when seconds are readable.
h=10 m=20
